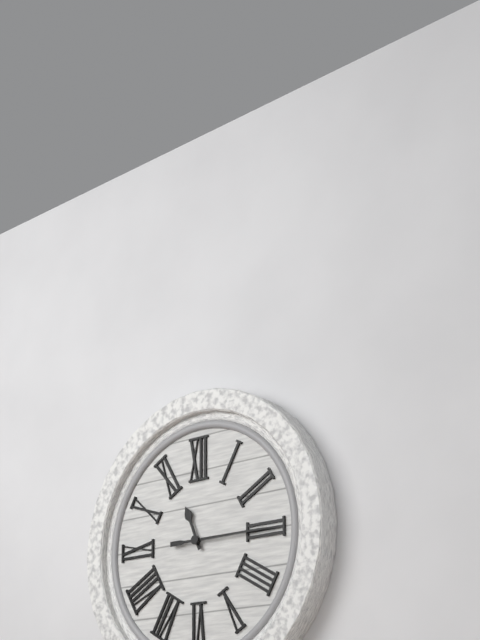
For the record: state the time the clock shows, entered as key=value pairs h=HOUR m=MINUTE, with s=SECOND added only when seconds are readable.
h=11 m=15
